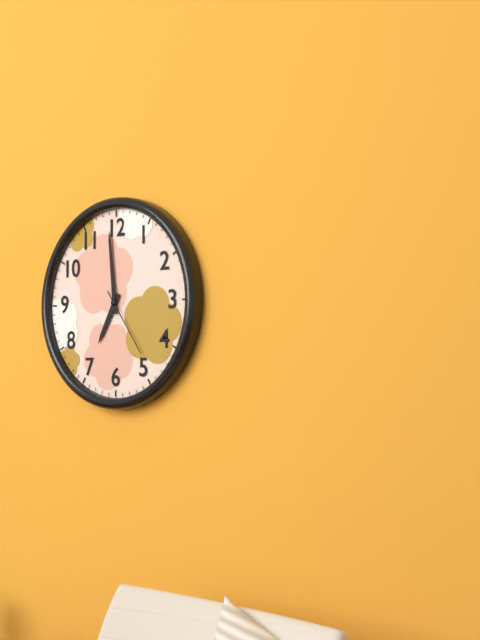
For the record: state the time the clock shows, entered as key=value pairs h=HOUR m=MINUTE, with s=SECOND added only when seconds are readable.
h=6 m=59 s=24
